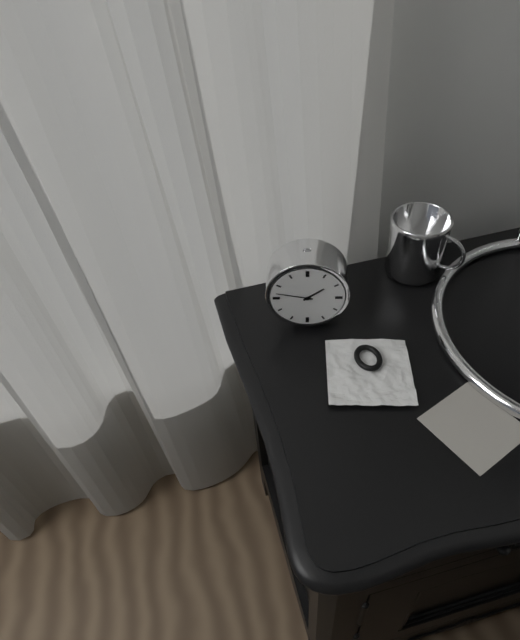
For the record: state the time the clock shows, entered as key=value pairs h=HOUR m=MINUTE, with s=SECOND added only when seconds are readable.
h=1 m=47
